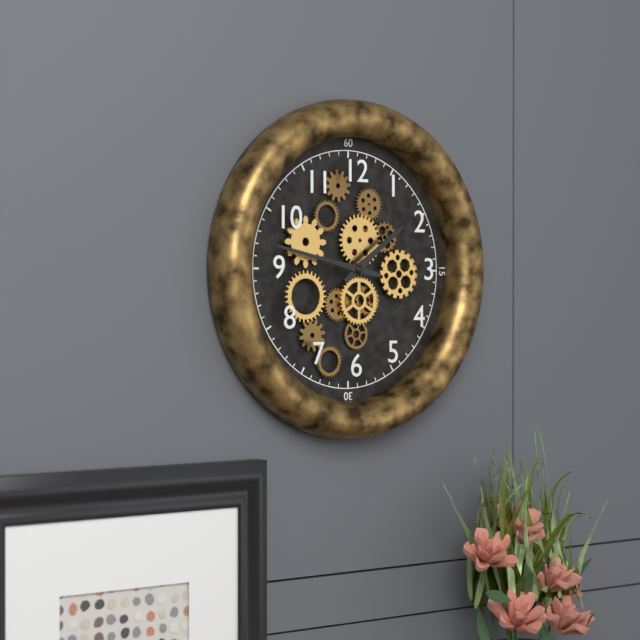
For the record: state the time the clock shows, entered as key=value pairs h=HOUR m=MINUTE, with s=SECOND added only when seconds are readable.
h=1 m=47
